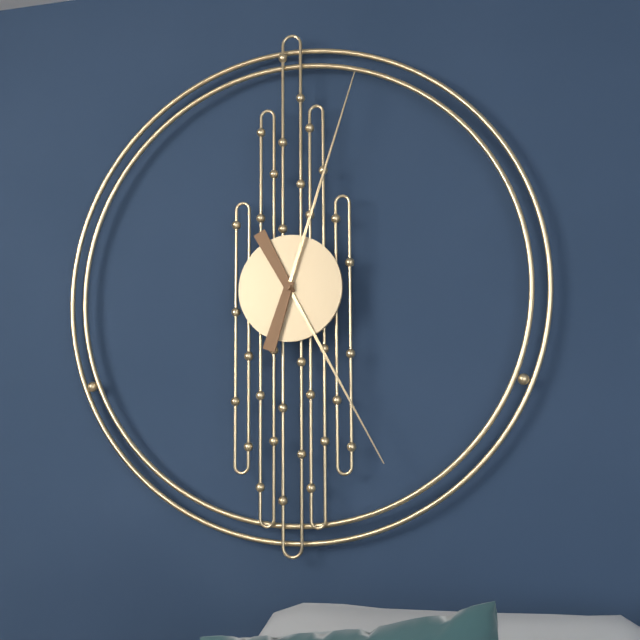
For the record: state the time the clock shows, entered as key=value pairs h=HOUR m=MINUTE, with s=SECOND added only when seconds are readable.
h=5 m=3
